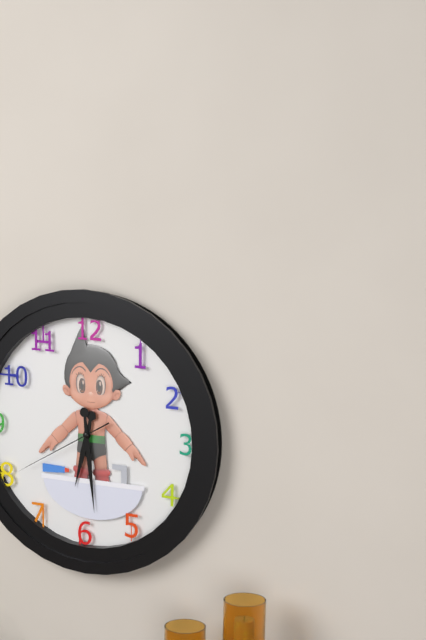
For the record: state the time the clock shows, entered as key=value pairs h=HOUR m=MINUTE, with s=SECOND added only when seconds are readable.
h=6 m=29 s=40
